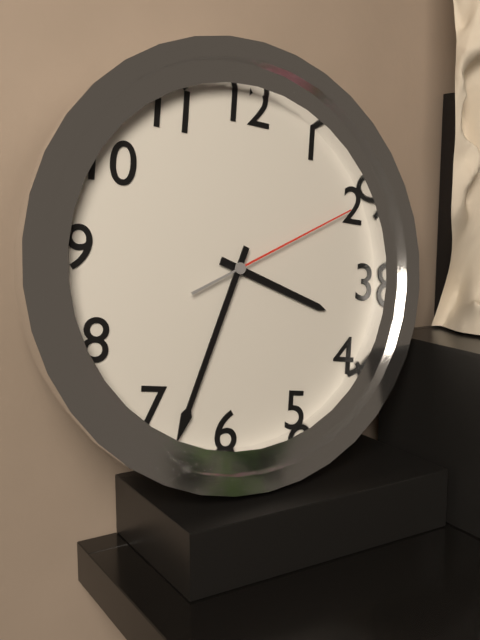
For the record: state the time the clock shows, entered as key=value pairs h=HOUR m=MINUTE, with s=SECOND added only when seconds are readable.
h=3 m=33 s=10
